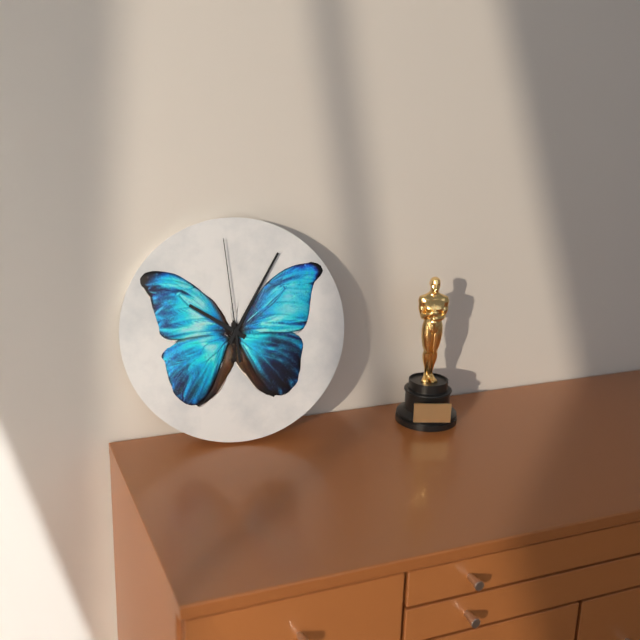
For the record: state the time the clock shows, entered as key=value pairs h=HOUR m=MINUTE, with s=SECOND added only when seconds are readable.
h=10 m=5 s=59
